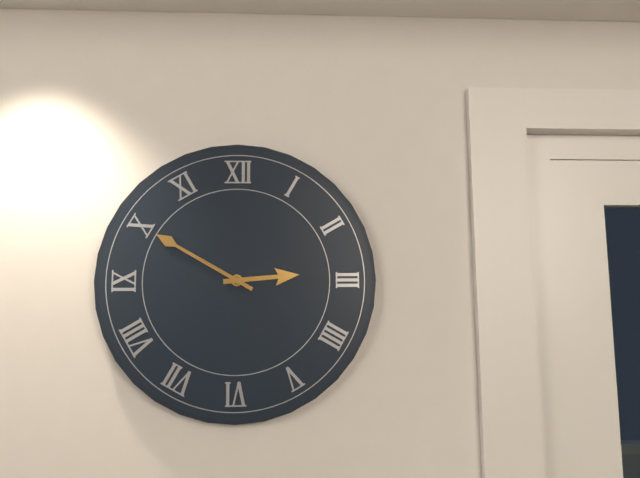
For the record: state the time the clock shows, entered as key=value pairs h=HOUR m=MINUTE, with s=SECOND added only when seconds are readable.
h=2 m=50
